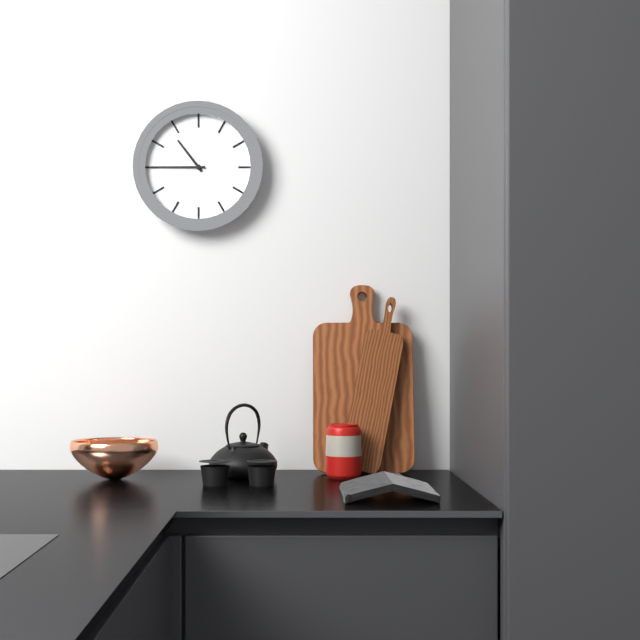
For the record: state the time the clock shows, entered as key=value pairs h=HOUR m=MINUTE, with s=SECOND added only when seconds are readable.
h=10 m=45
